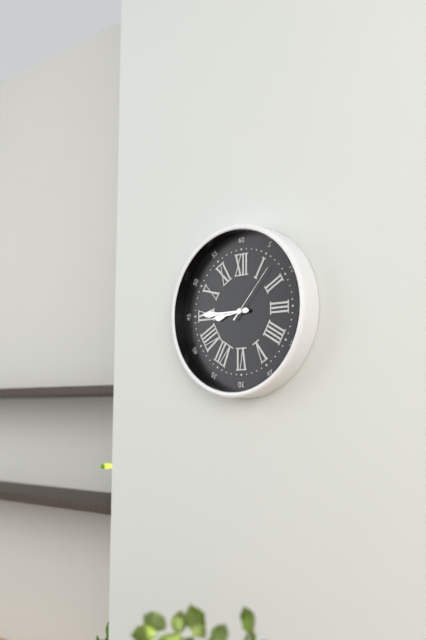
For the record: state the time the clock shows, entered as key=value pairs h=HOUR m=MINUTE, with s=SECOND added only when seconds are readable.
h=8 m=45 s=7
